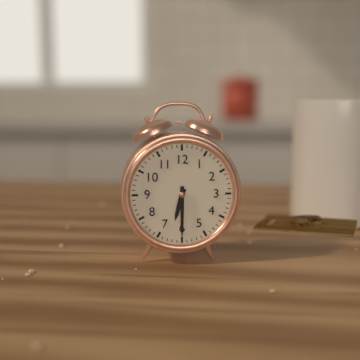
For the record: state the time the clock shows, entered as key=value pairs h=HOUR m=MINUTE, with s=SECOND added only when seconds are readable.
h=6 m=30
